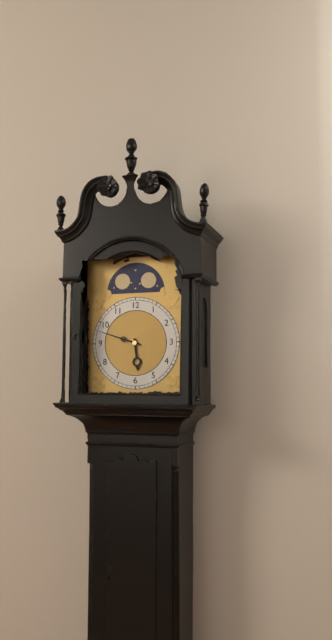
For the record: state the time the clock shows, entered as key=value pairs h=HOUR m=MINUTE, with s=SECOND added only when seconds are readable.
h=5 m=48
